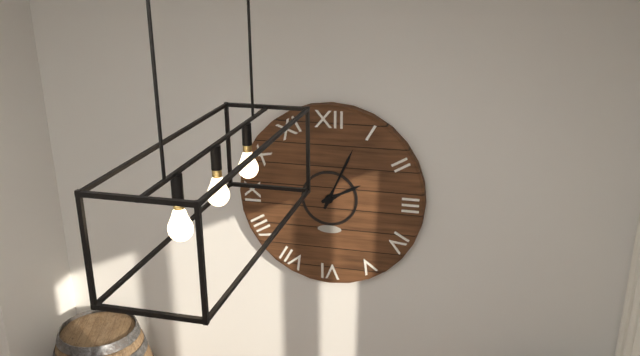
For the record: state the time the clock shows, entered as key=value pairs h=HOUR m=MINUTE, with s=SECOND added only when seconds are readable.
h=2 m=4
